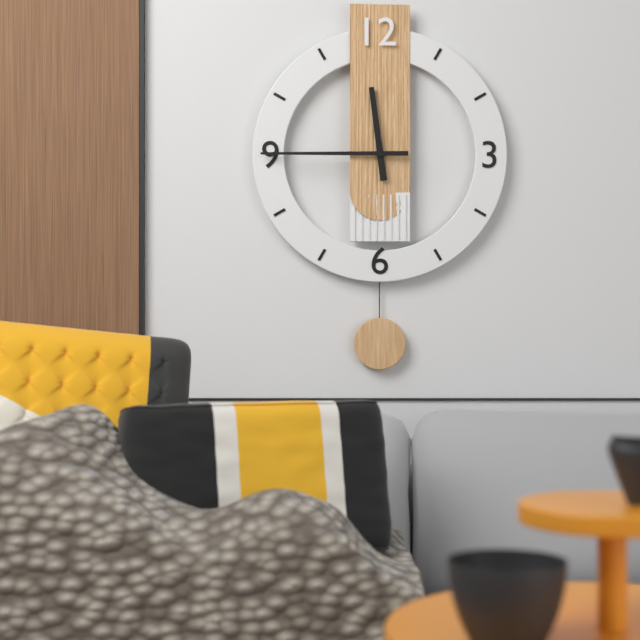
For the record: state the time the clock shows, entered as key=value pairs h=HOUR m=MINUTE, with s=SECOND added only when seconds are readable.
h=11 m=45
